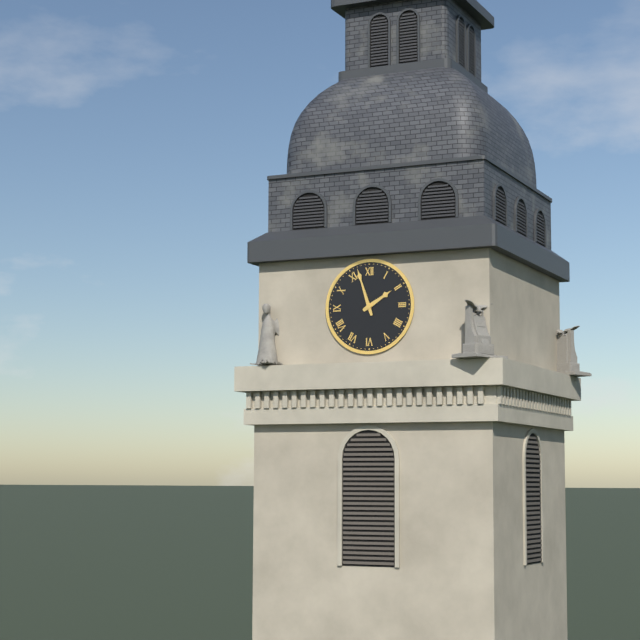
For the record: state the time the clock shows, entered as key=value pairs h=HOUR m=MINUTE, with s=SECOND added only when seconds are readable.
h=1 m=57
